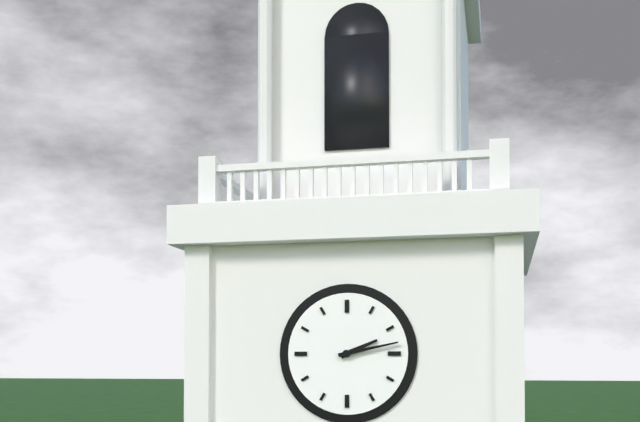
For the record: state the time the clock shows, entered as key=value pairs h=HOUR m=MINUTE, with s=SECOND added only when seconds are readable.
h=2 m=13
